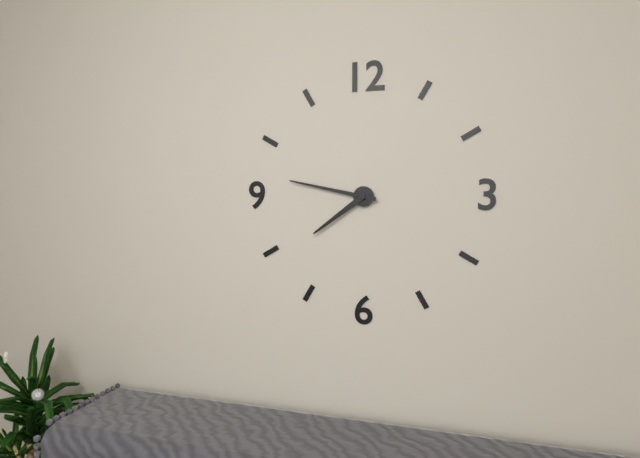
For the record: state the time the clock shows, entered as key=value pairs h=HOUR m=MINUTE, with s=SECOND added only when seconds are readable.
h=7 m=47
